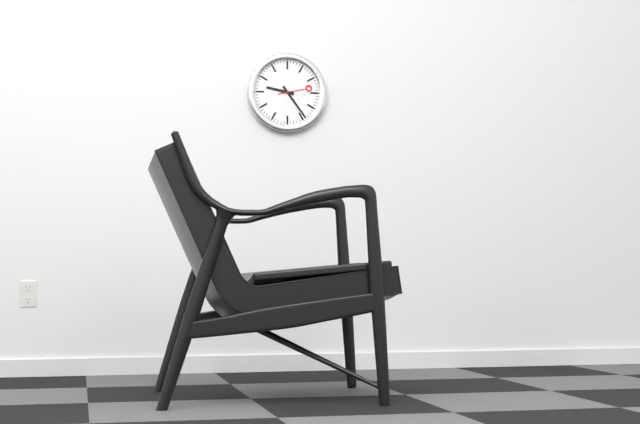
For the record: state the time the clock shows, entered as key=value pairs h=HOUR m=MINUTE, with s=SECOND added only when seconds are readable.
h=9 m=24
